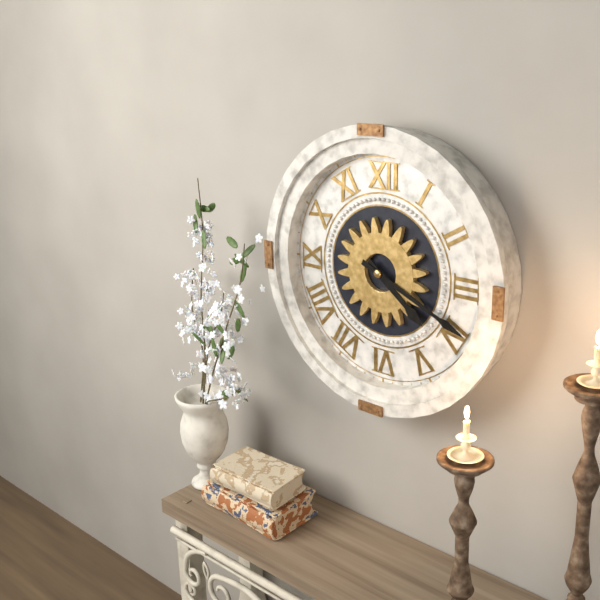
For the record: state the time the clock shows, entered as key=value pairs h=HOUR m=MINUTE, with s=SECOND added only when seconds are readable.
h=4 m=19
